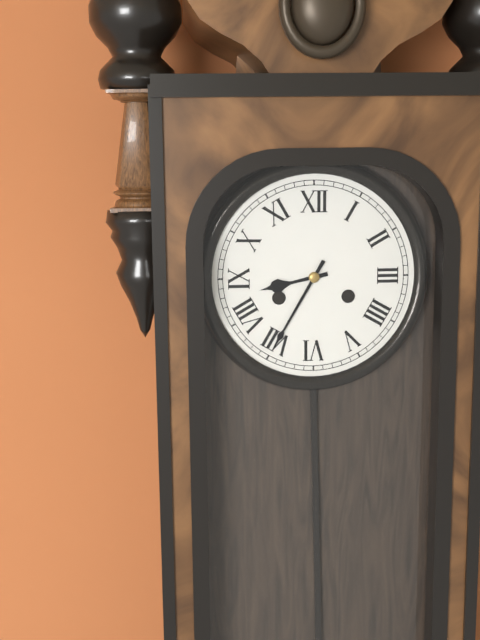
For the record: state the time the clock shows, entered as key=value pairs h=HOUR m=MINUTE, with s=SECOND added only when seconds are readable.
h=8 m=35
